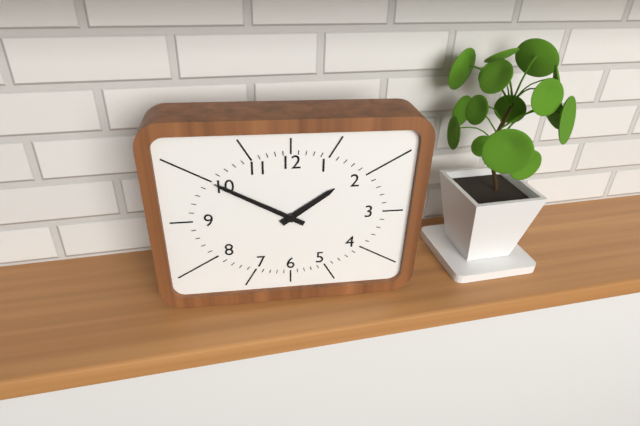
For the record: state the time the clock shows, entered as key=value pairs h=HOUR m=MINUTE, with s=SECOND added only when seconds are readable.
h=1 m=50
